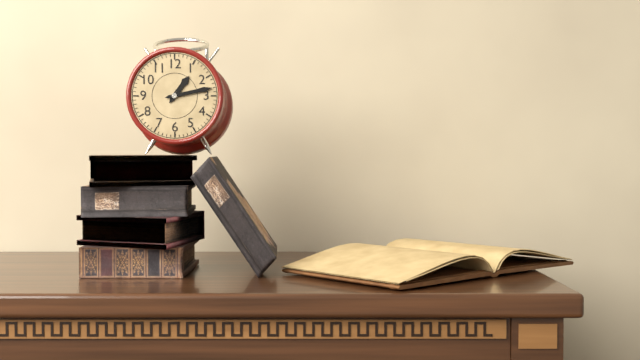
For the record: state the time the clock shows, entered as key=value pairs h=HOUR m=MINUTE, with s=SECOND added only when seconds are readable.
h=1 m=13
